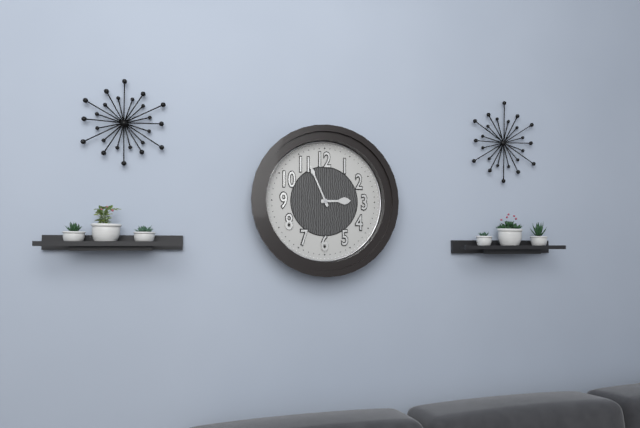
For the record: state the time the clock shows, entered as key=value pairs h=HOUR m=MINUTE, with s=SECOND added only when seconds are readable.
h=2 m=56
